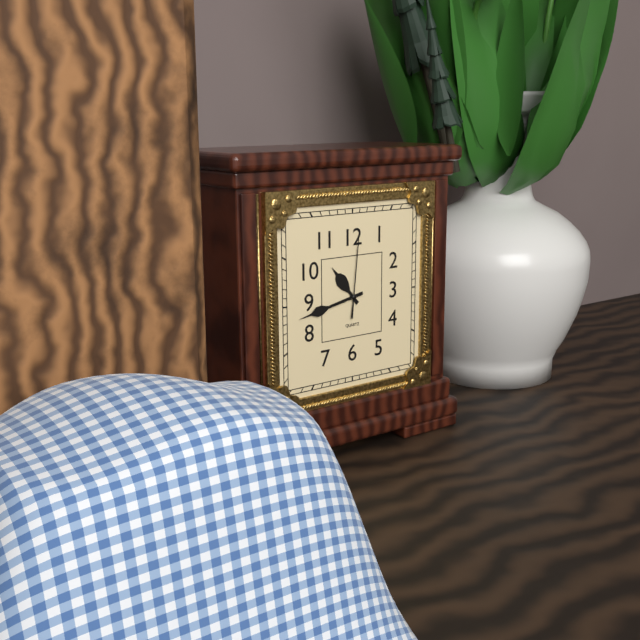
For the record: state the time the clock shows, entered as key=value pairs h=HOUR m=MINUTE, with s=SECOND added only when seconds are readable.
h=10 m=43 s=1
